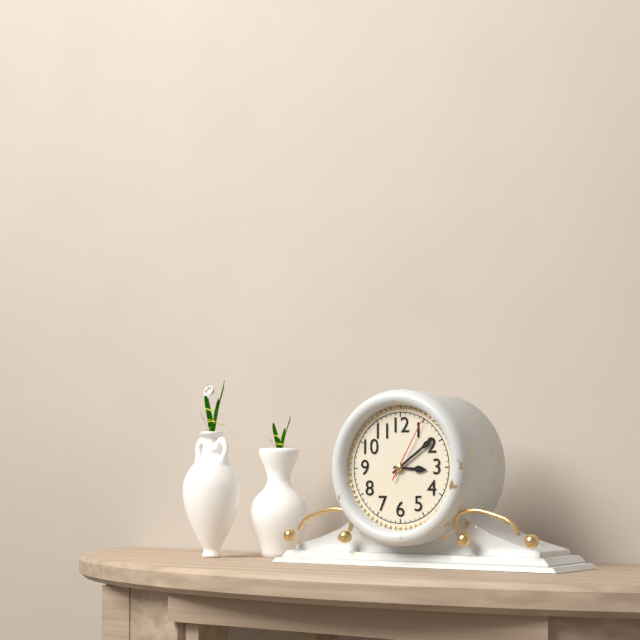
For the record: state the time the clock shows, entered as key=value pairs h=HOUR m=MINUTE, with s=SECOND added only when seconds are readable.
h=3 m=9 s=5
